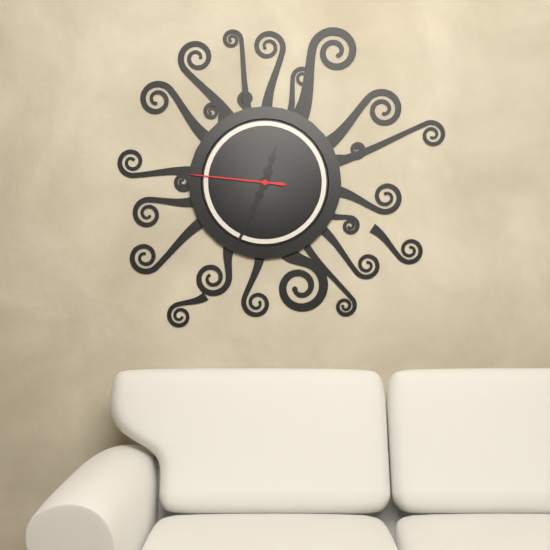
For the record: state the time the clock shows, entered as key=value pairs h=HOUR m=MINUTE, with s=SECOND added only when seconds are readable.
h=12 m=34 s=46
